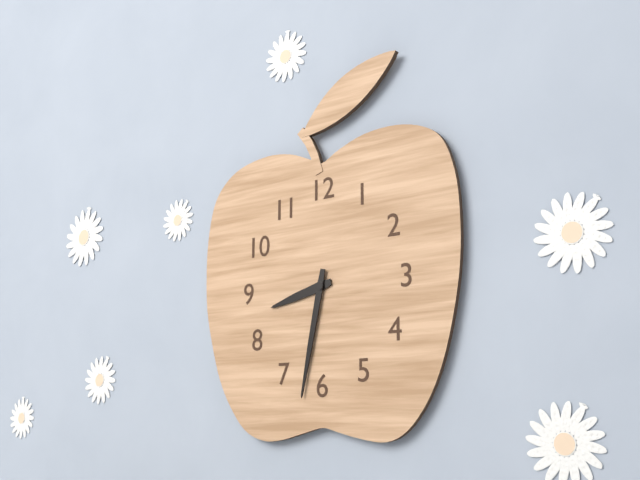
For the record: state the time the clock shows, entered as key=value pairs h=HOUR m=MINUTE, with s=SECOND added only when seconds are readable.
h=8 m=32
